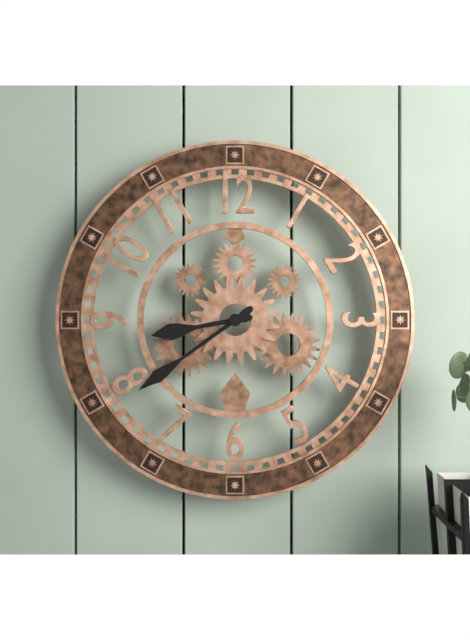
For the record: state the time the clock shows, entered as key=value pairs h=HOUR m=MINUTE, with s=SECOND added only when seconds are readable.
h=8 m=39
